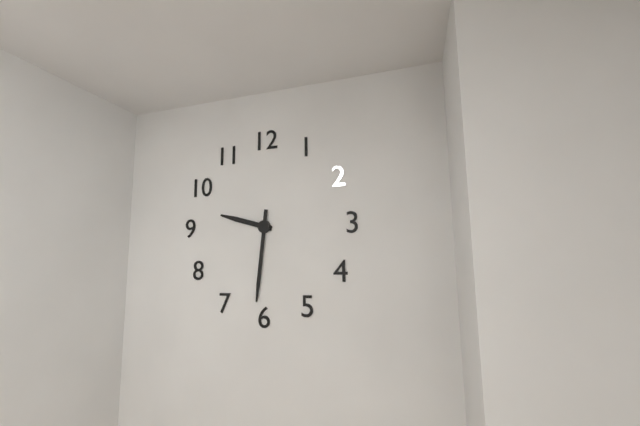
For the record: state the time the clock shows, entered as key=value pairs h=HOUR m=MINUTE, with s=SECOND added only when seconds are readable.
h=9 m=31
